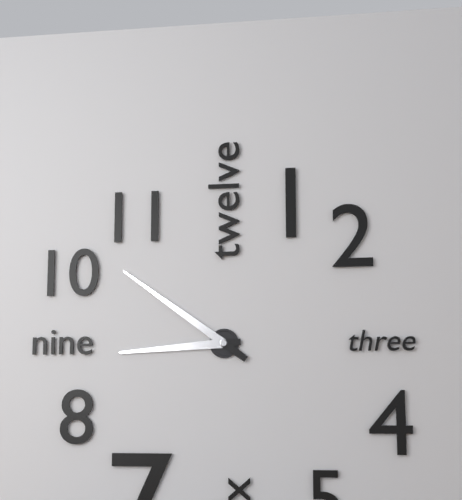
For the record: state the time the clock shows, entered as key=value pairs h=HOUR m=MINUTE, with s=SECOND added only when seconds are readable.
h=8 m=51
